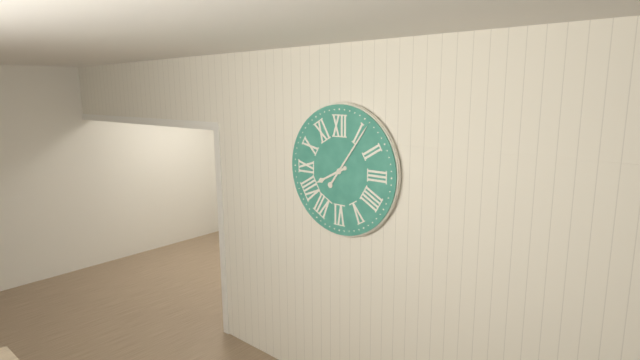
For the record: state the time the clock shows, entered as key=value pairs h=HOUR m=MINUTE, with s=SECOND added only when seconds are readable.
h=8 m=6
